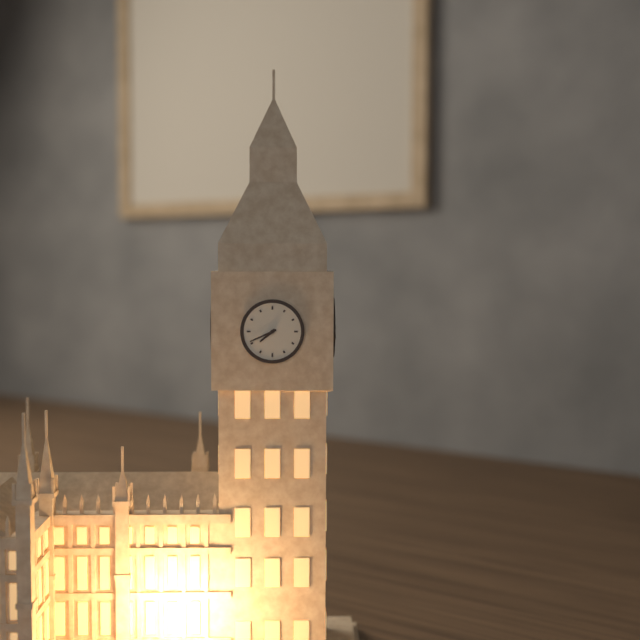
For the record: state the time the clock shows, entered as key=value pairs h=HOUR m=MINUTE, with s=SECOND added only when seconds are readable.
h=7 m=41
